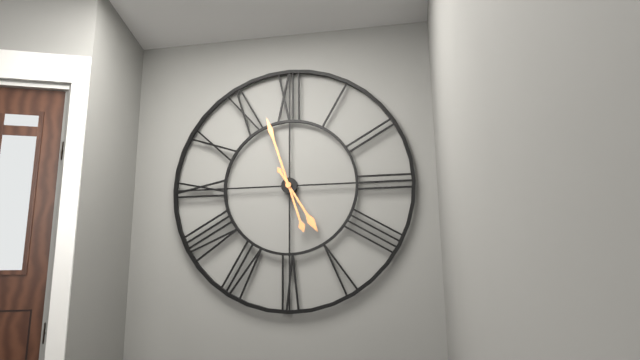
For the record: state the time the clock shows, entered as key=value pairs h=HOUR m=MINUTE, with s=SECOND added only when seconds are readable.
h=4 m=57
